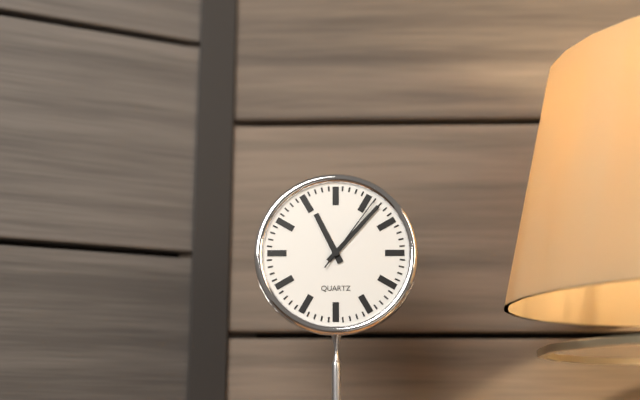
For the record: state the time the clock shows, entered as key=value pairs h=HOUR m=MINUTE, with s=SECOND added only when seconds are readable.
h=11 m=7 s=6
